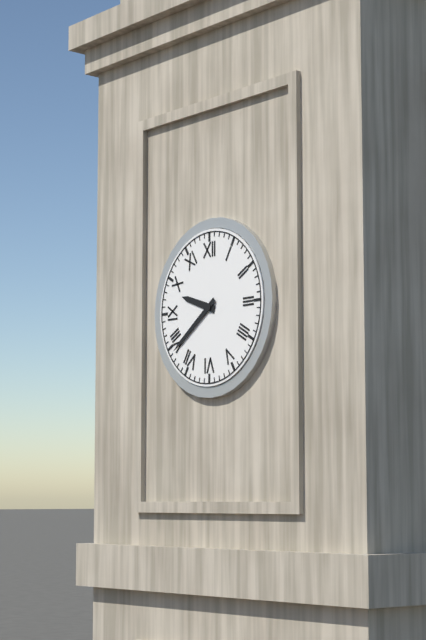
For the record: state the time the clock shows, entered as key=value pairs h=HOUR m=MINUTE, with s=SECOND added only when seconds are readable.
h=9 m=39
